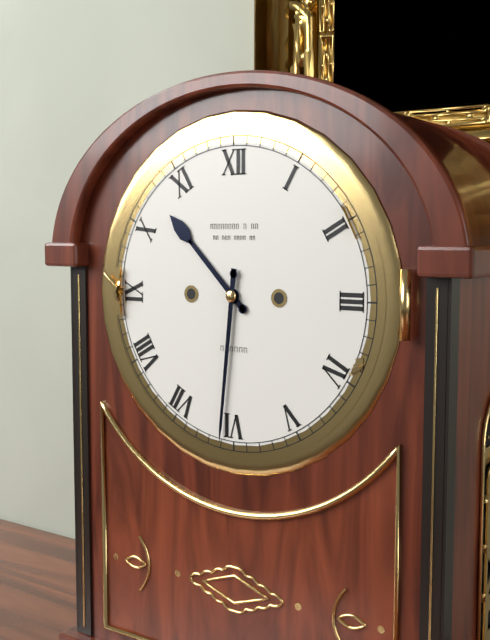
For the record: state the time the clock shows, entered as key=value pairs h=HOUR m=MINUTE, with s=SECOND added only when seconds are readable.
h=10 m=31
